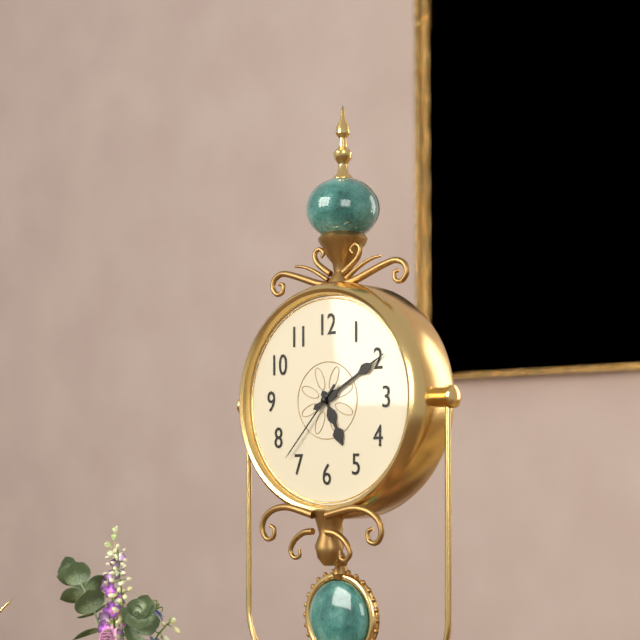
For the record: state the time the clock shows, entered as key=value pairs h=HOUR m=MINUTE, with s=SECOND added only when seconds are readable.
h=5 m=10 s=37
